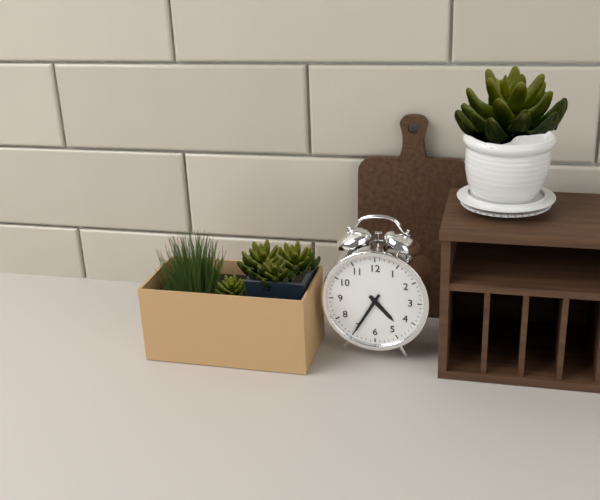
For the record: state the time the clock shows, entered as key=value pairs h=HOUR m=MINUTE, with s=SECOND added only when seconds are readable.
h=4 m=35
